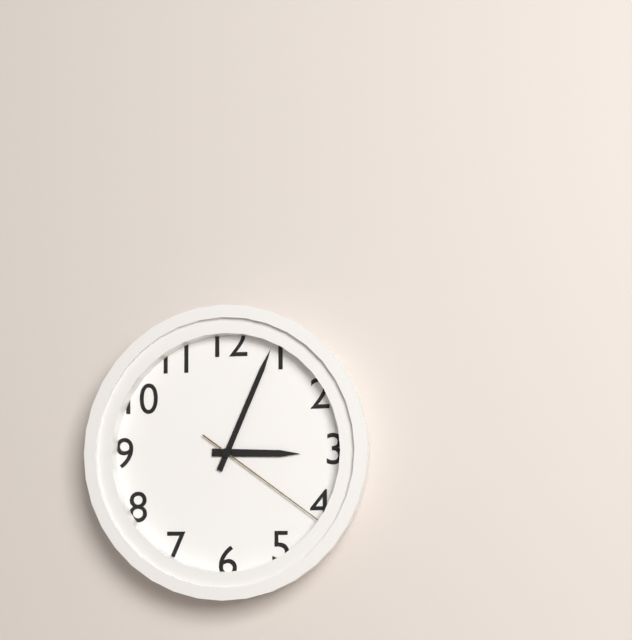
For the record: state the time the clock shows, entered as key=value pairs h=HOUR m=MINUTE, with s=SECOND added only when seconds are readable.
h=3 m=4 s=21
